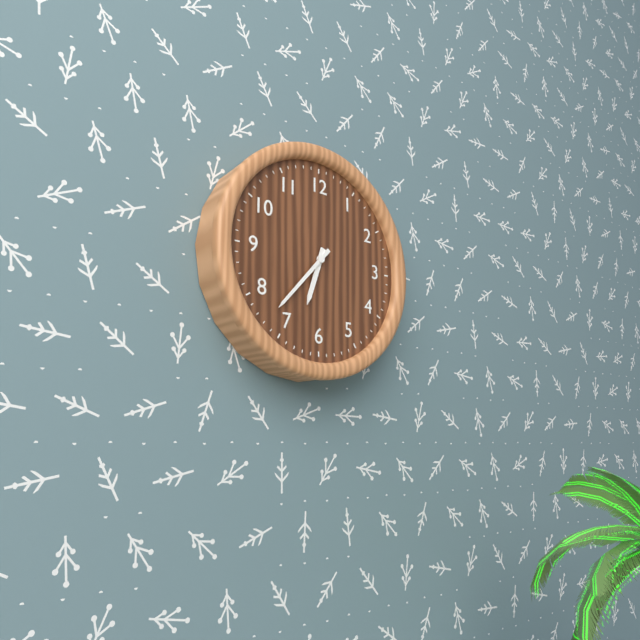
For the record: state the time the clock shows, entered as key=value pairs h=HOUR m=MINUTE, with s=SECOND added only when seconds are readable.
h=6 m=37
